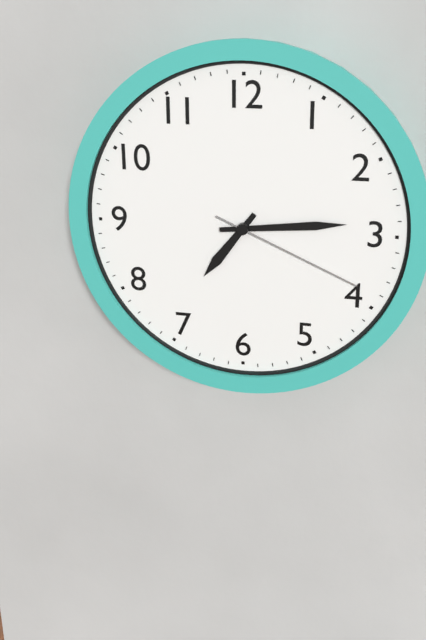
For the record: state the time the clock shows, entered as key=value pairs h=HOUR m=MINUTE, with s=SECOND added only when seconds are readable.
h=7 m=14 s=19
